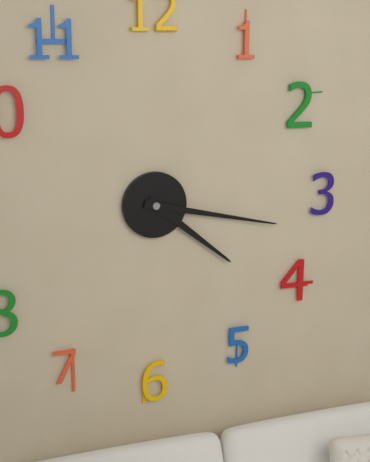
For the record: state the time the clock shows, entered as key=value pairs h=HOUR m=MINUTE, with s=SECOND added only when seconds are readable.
h=4 m=17
